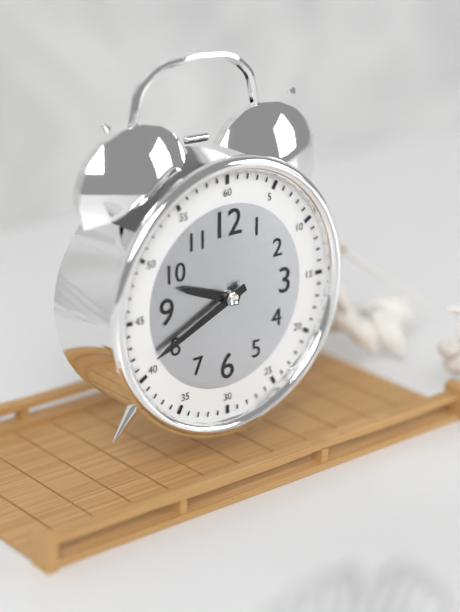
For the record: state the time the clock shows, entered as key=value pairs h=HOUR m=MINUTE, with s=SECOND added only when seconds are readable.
h=9 m=41
